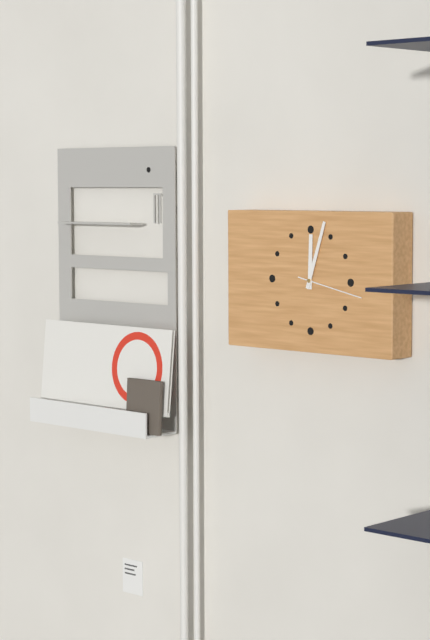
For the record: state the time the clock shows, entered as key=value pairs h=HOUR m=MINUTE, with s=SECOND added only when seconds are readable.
h=12 m=3 s=17
